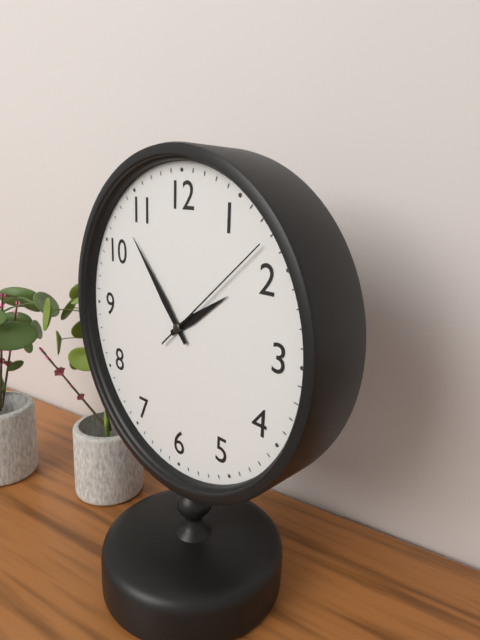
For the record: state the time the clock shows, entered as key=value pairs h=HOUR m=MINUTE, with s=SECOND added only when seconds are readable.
h=1 m=53 s=8
